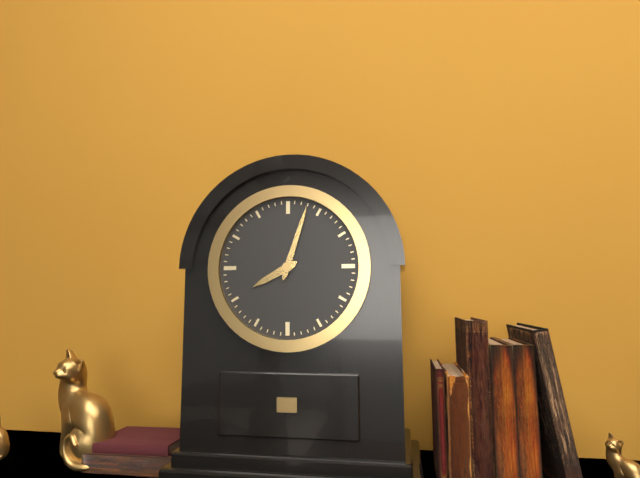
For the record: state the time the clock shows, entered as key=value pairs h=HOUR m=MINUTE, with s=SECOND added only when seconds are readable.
h=8 m=3
